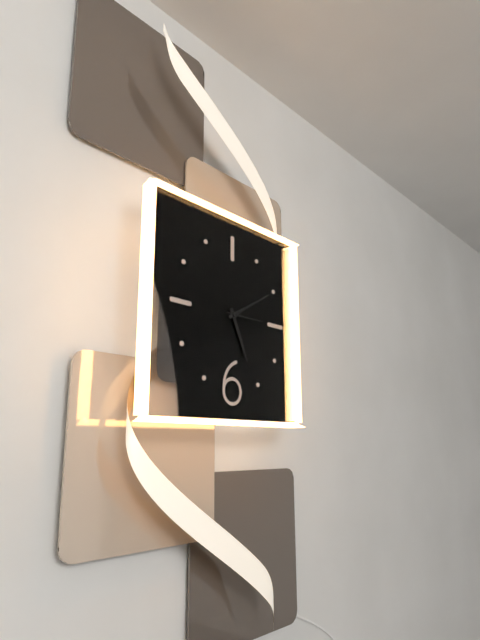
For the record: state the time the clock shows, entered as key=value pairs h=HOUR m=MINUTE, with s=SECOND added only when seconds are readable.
h=5 m=10
